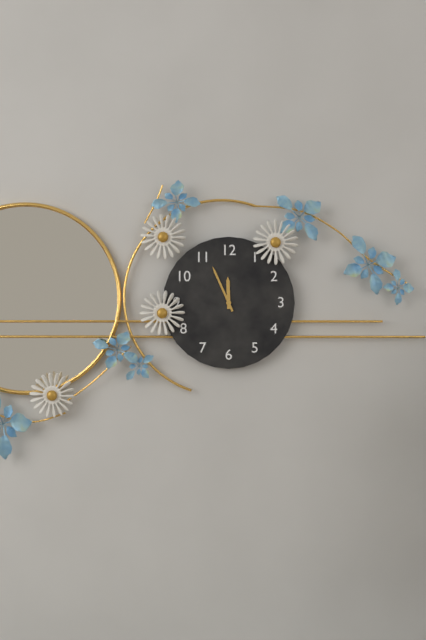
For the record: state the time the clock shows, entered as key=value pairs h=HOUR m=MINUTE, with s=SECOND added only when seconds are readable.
h=11 m=56
